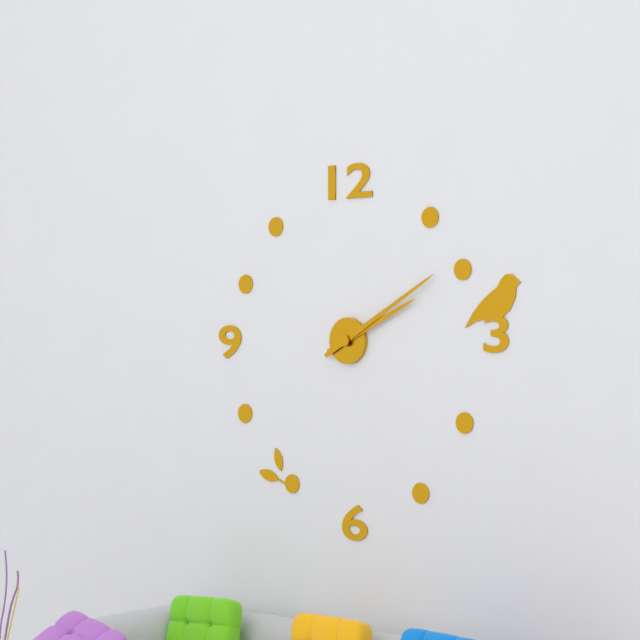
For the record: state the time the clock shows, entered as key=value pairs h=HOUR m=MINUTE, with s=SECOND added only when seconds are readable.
h=2 m=10
